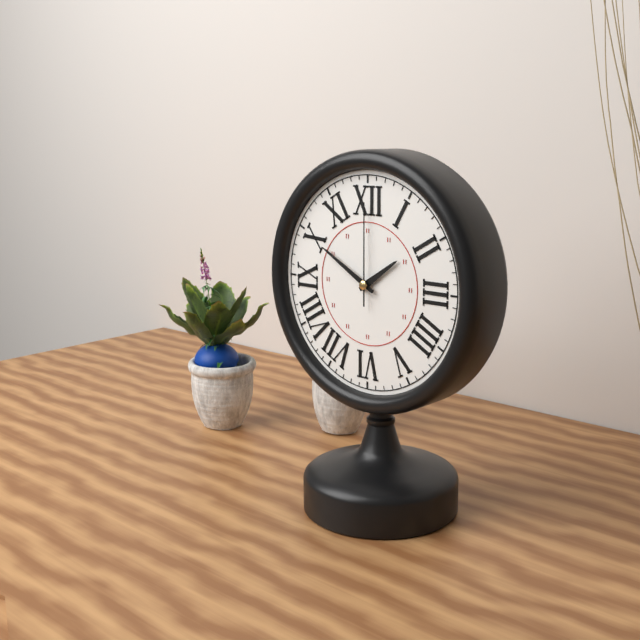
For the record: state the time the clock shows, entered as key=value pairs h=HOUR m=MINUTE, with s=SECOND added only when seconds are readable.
h=1 m=50 s=0
